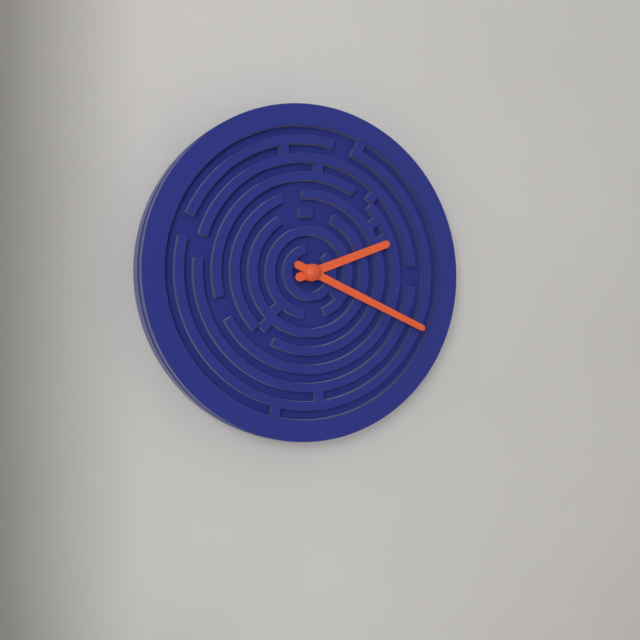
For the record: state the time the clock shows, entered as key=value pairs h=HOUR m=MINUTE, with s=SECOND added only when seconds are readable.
h=2 m=19
